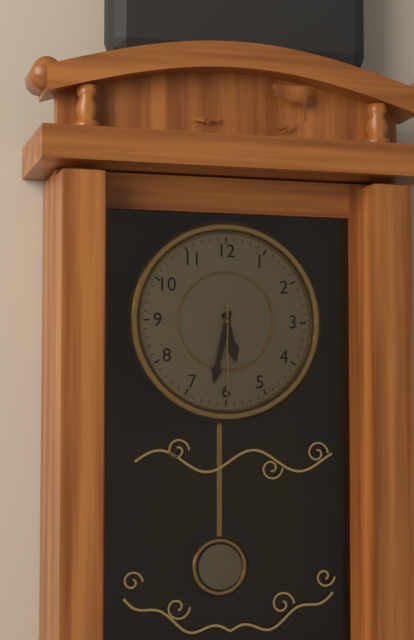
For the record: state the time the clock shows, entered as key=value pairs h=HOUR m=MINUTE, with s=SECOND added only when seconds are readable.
h=5 m=32 s=30
